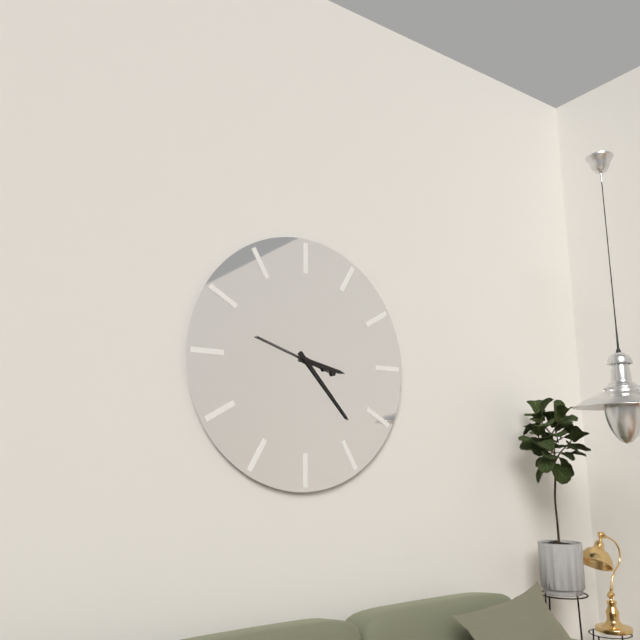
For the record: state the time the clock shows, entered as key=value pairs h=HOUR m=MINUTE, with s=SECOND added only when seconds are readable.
h=3 m=23 s=48
